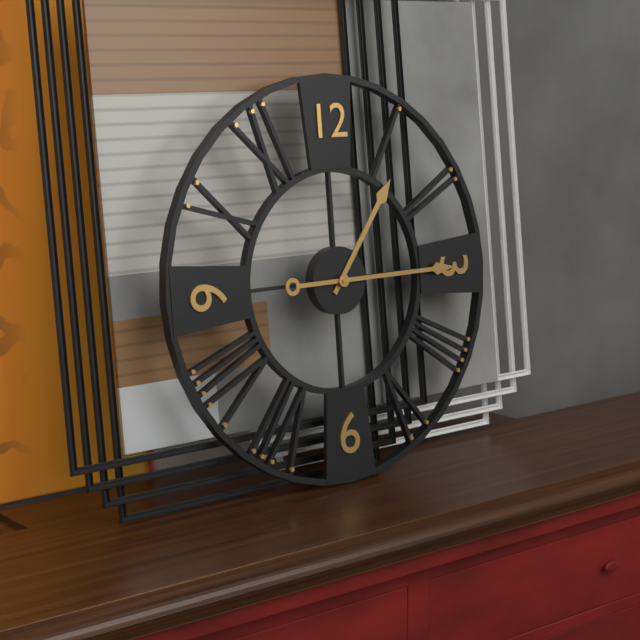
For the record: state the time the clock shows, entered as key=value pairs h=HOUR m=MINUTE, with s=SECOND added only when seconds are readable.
h=1 m=15
